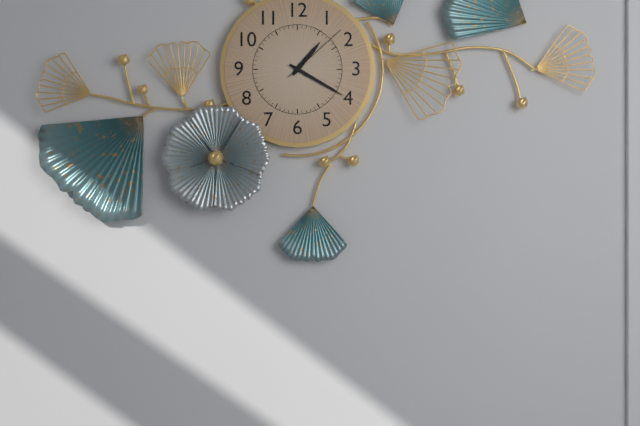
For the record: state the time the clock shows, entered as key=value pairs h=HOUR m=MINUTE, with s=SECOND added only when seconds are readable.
h=1 m=20 s=8
